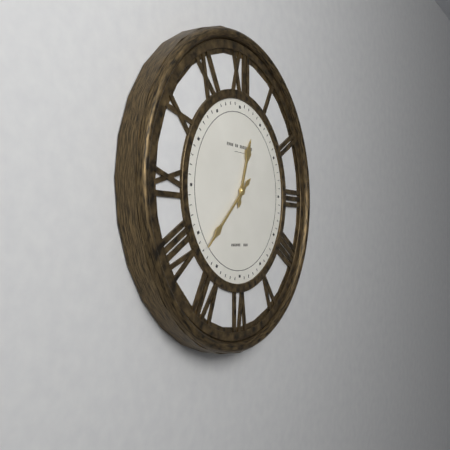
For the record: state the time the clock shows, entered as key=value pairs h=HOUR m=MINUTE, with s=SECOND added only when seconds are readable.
h=12 m=38
